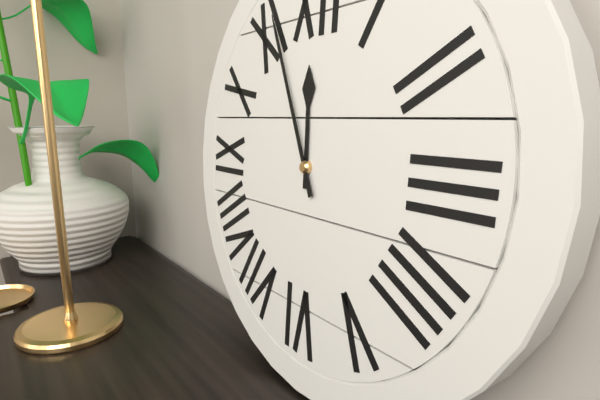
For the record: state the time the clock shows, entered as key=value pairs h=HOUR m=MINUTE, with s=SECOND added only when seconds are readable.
h=11 m=56
